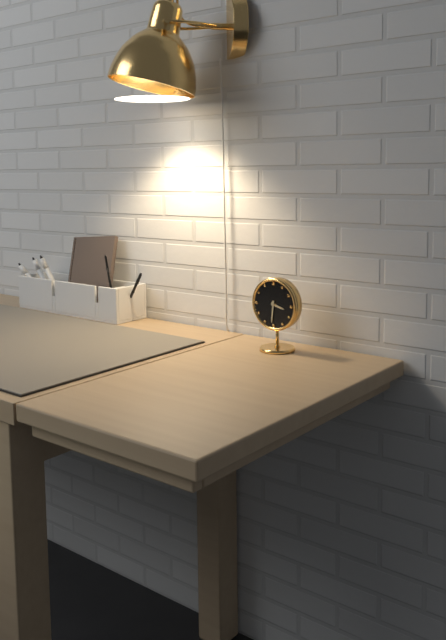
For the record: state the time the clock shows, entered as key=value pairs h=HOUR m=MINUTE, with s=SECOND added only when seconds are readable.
h=3 m=31
